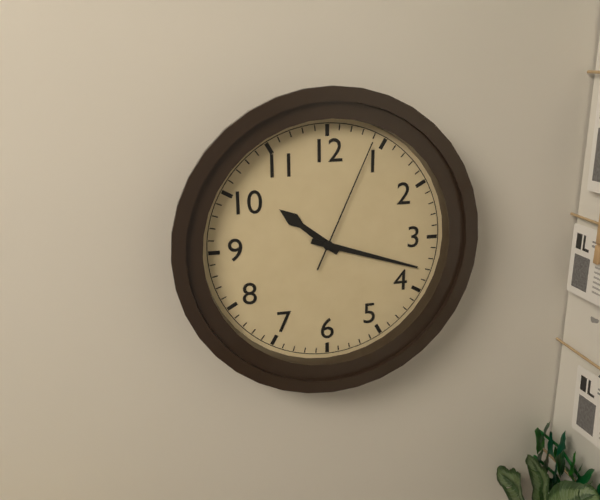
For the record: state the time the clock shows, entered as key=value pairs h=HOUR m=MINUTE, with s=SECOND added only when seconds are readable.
h=10 m=18 s=4
